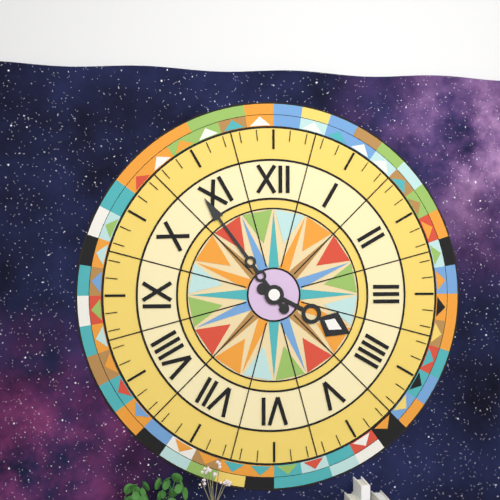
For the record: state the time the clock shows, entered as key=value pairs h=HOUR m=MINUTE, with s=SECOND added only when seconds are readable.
h=3 m=54
